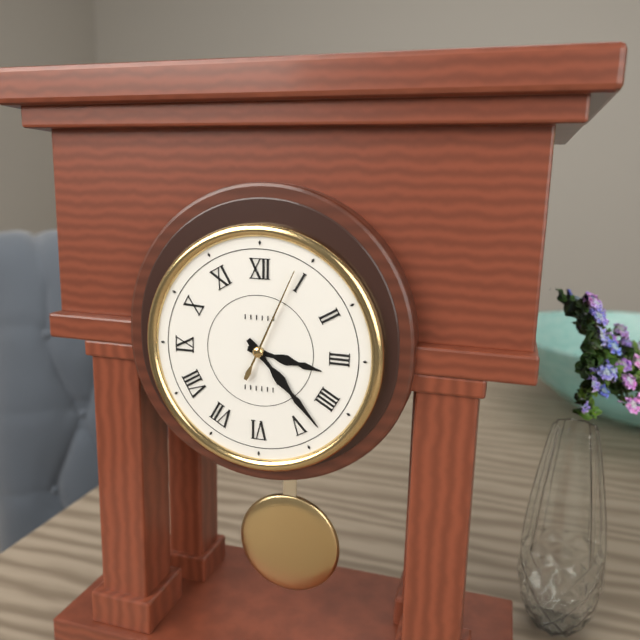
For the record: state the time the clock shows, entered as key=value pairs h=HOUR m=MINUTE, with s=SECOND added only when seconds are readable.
h=3 m=23 s=4
